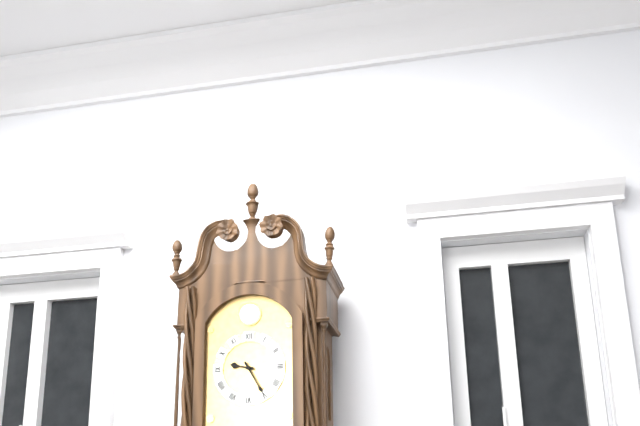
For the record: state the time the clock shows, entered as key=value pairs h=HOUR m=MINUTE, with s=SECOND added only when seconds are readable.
h=9 m=25
